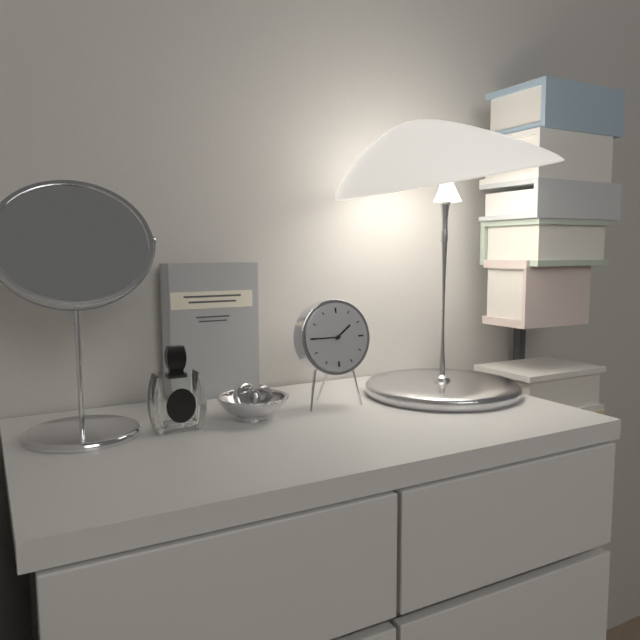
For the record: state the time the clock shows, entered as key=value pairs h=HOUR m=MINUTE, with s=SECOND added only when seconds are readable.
h=1 m=45
